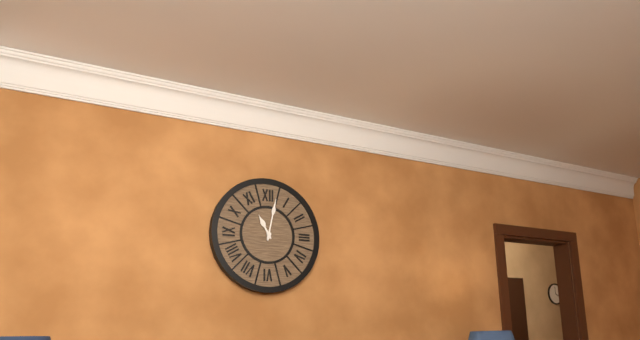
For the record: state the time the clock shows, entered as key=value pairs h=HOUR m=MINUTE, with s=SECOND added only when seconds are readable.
h=11 m=2
